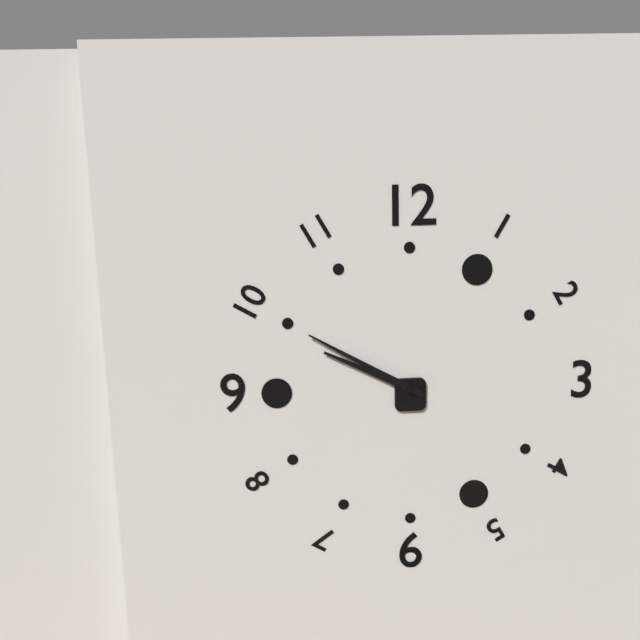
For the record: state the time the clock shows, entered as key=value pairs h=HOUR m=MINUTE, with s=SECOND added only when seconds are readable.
h=9 m=50
